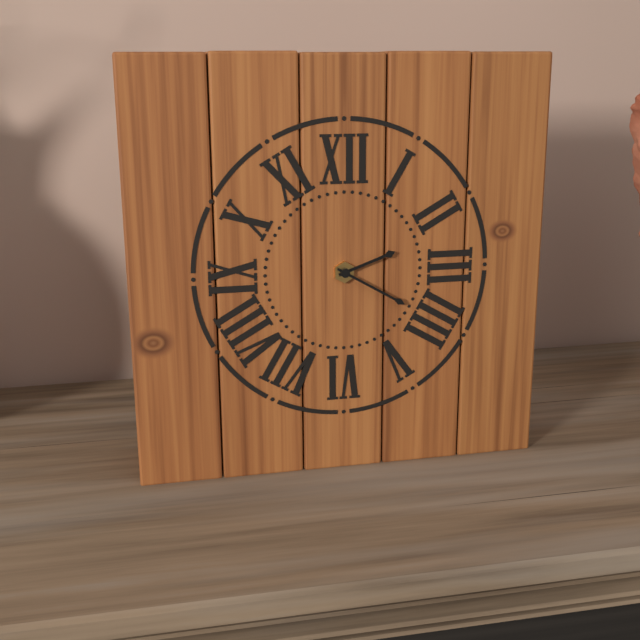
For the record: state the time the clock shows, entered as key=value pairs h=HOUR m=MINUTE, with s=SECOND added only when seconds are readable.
h=2 m=20
